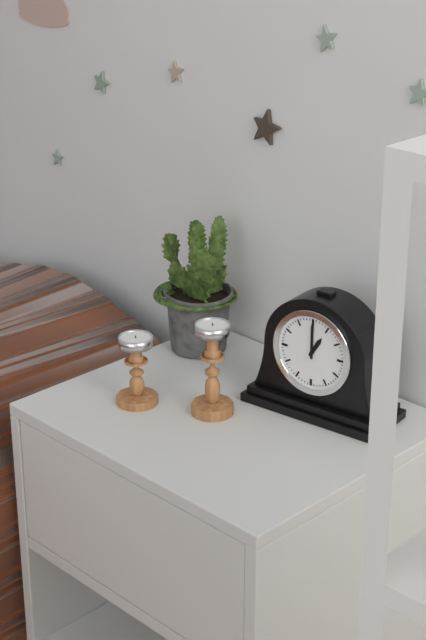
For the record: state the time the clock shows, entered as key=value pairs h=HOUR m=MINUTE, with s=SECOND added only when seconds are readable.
h=1 m=0
